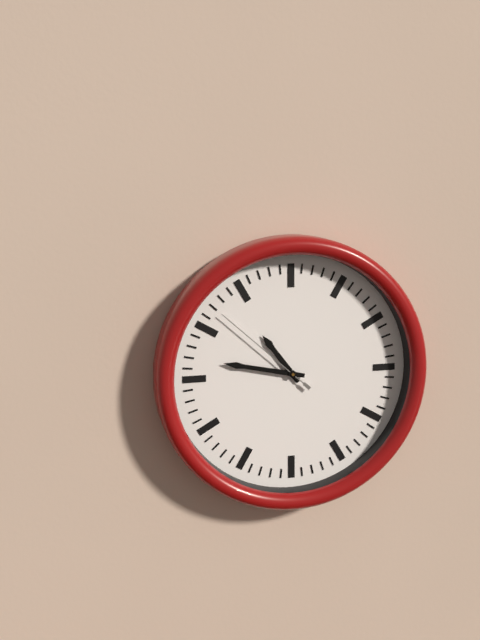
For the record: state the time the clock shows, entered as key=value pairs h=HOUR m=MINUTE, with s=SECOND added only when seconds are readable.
h=10 m=47 s=52
